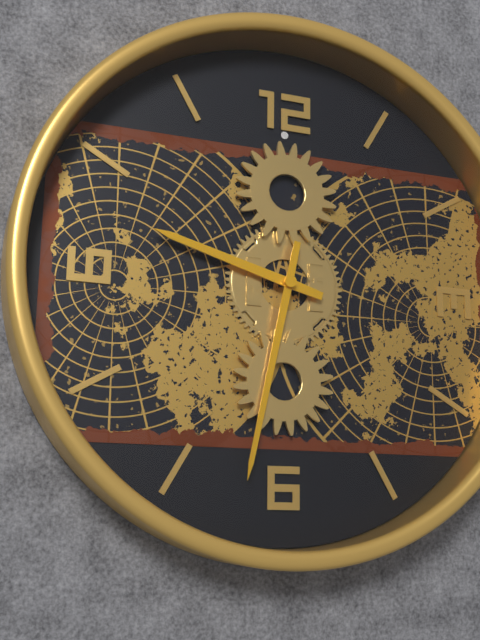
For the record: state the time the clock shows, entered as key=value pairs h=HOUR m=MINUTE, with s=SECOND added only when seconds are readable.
h=9 m=32
